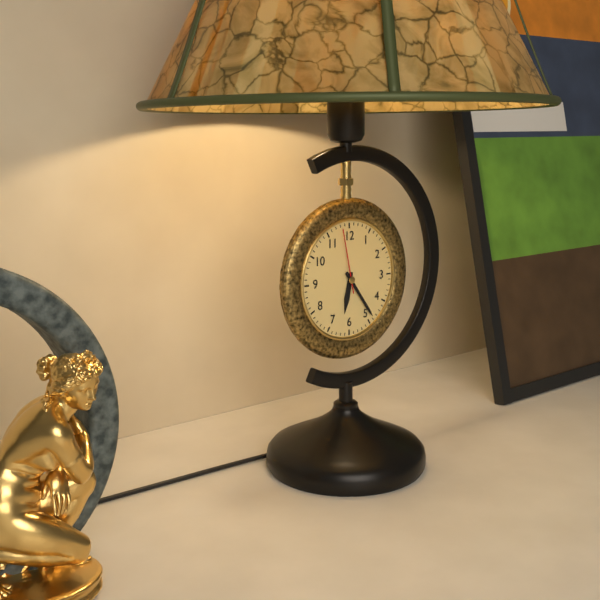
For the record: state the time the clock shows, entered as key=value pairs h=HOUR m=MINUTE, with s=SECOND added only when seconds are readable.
h=6 m=24 s=58
